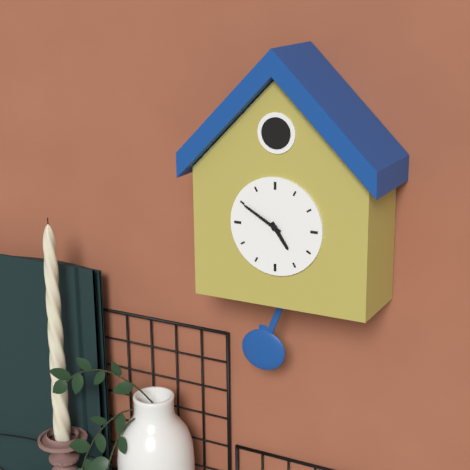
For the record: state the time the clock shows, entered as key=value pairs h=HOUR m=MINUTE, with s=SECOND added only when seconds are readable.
h=4 m=50
